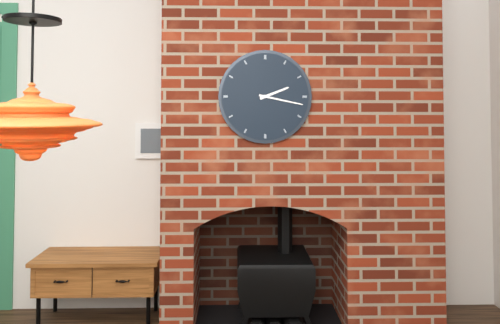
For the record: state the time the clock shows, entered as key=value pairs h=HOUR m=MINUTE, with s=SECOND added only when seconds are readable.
h=2 m=17
